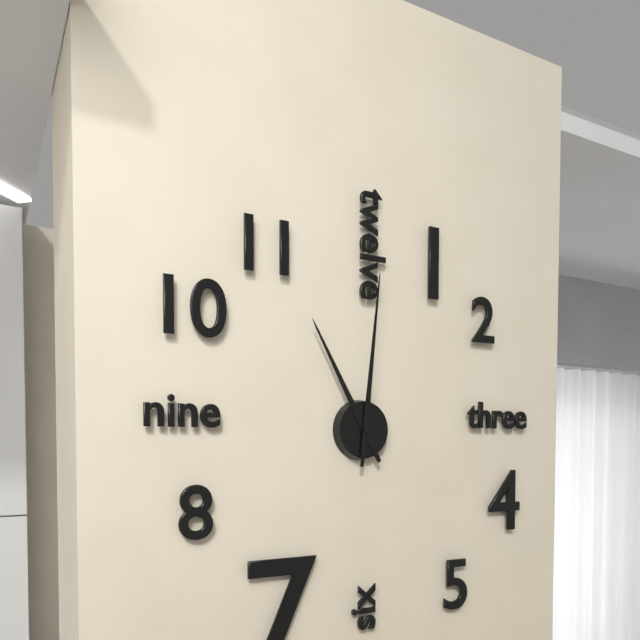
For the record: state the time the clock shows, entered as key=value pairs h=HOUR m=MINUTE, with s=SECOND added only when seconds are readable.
h=11 m=1
